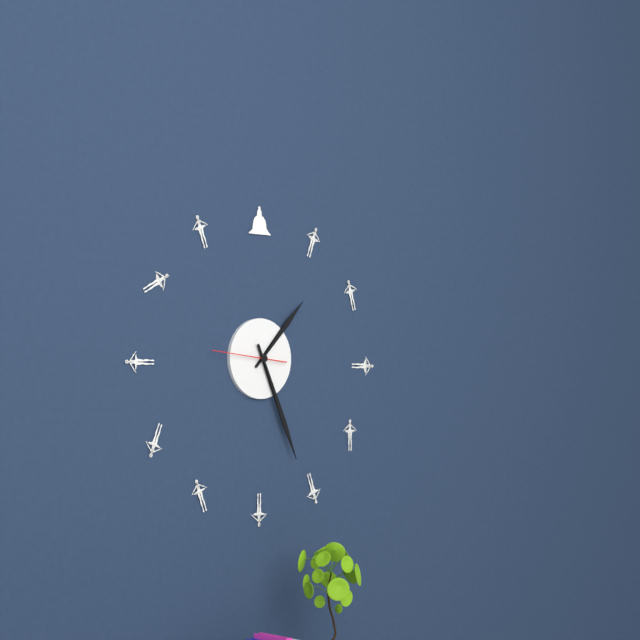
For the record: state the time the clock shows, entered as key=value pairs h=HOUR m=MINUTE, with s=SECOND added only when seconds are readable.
h=1 m=26 s=46
